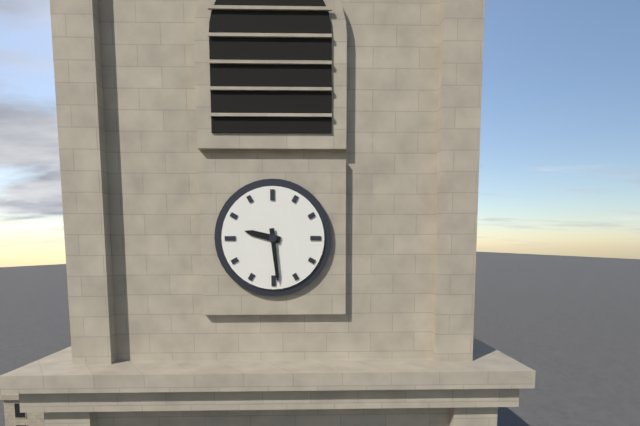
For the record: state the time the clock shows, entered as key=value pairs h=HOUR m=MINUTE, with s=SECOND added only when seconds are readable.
h=9 m=29
